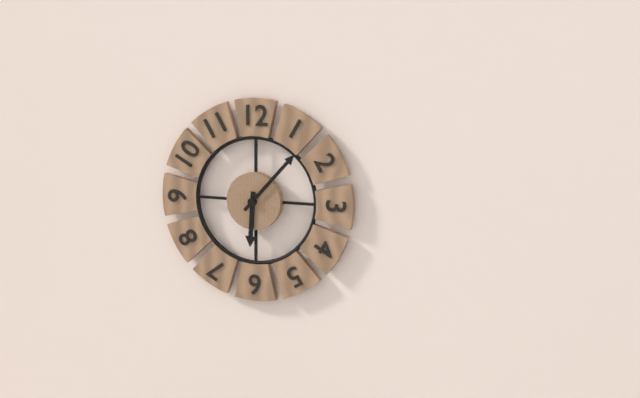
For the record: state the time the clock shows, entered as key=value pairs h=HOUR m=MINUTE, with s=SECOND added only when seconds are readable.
h=6 m=7
